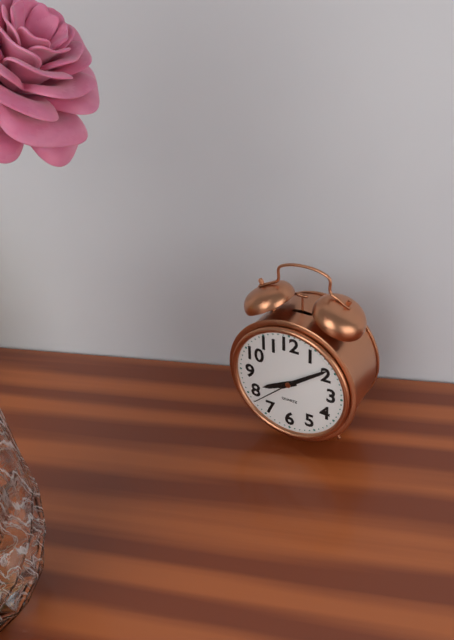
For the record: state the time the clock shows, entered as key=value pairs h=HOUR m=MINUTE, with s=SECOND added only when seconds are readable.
h=8 m=9
